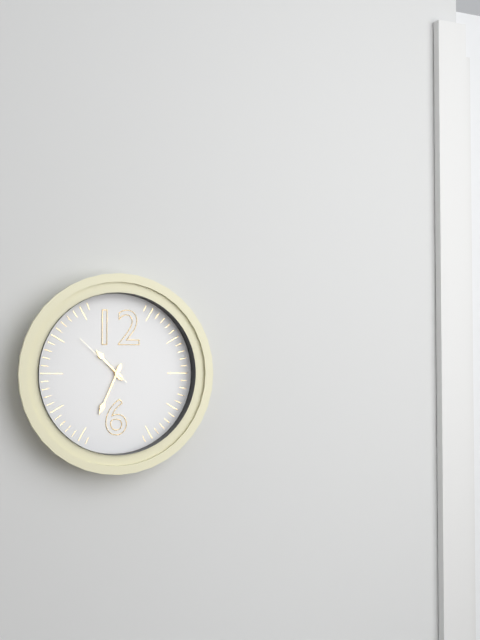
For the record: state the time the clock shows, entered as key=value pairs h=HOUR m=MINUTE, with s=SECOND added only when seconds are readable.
h=10 m=34 s=52
